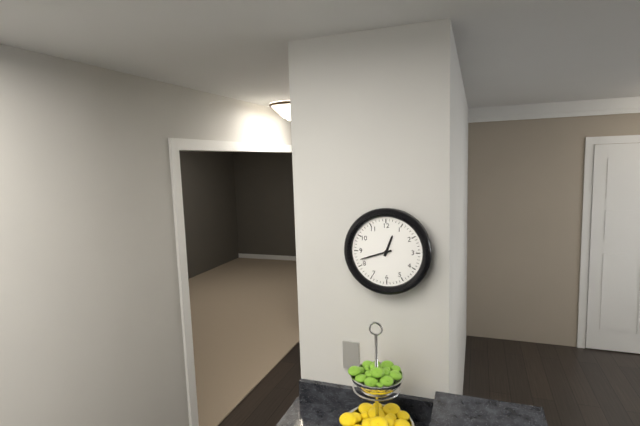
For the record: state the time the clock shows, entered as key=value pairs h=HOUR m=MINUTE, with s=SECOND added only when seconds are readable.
h=12 m=42
